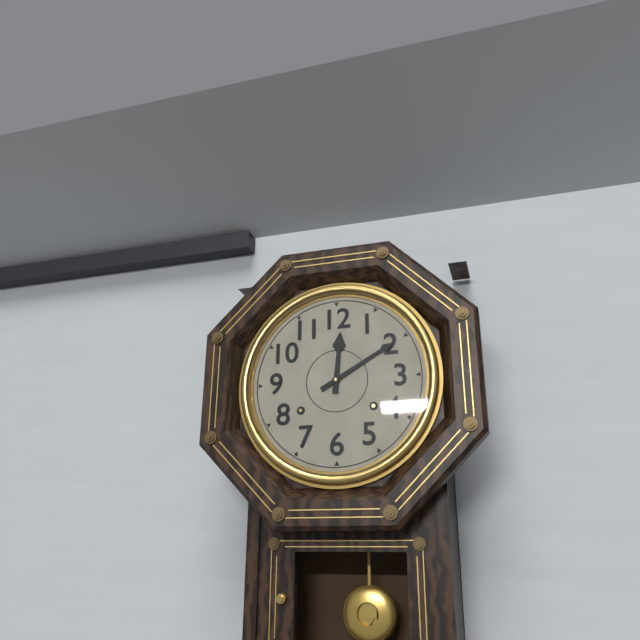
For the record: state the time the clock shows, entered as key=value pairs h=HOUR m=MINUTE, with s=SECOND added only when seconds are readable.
h=12 m=10
